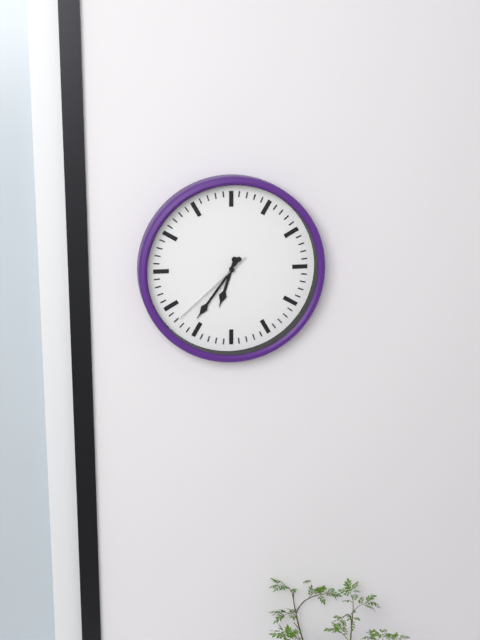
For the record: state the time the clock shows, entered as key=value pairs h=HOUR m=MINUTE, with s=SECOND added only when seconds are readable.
h=6 m=36 s=38
